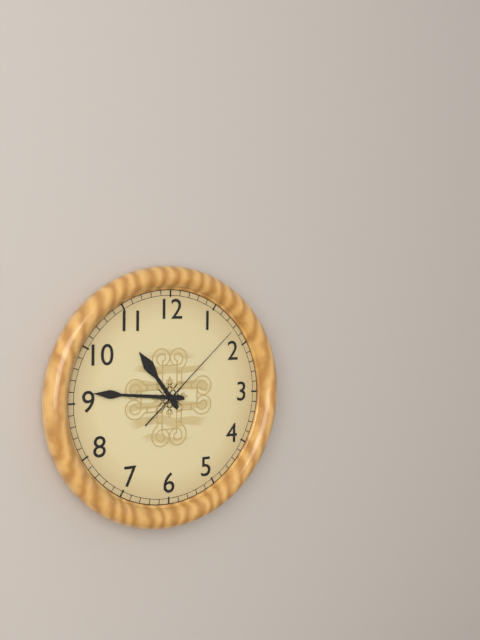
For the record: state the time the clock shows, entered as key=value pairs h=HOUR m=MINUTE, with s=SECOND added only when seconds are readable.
h=10 m=46 s=8
